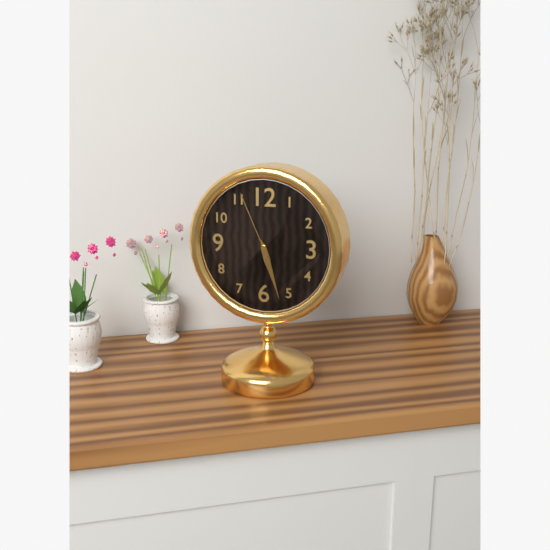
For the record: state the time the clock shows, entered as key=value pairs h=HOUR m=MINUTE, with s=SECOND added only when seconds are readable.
h=5 m=27 s=56
